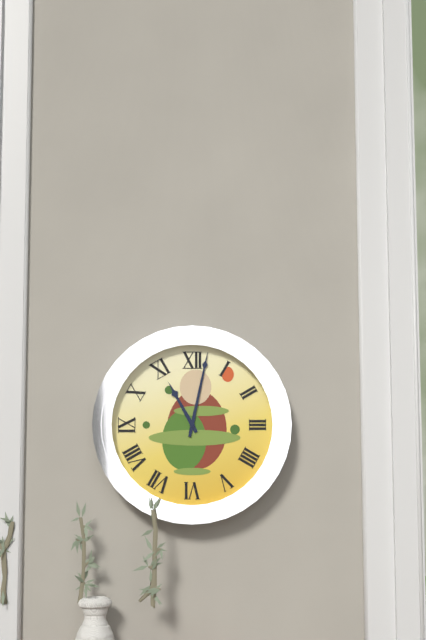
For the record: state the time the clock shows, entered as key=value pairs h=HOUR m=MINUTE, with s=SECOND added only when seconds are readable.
h=11 m=2
